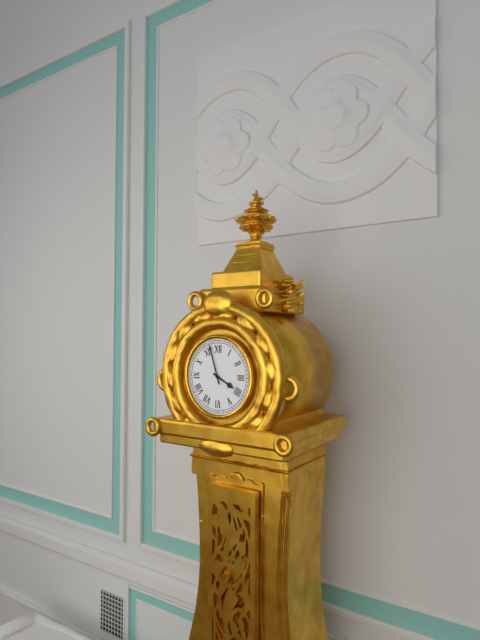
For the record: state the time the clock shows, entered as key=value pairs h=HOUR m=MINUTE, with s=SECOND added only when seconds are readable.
h=3 m=57
